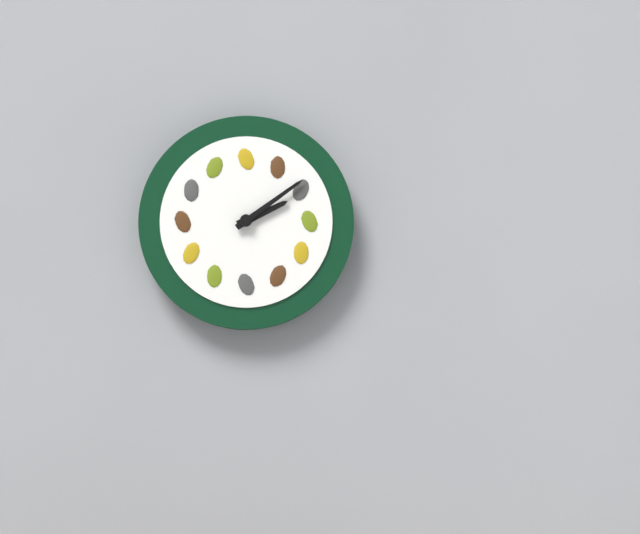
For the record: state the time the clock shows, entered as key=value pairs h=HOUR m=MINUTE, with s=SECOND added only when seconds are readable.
h=2 m=9
